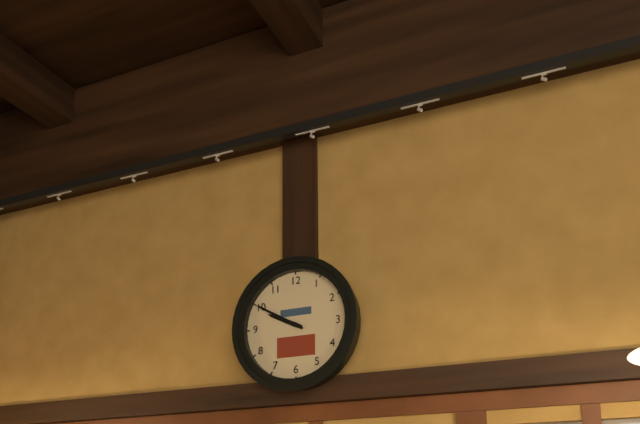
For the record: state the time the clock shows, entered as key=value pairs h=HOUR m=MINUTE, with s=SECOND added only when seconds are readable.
h=9 m=50
